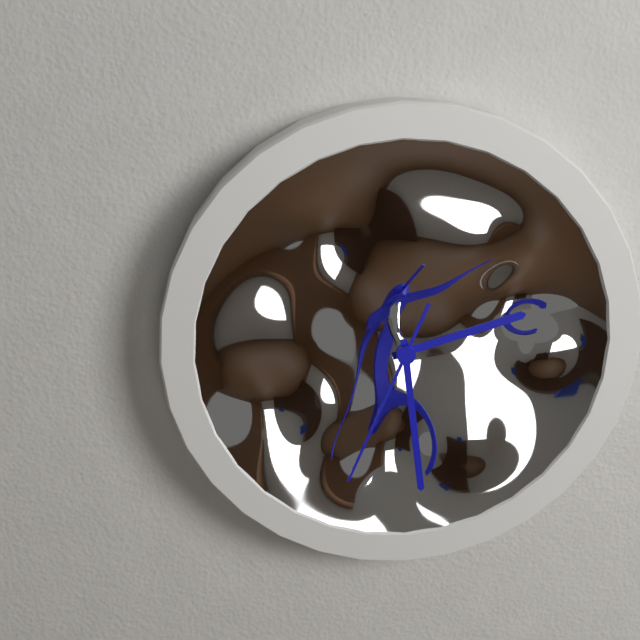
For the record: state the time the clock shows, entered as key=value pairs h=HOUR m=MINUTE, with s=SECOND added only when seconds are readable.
h=2 m=29 s=34
